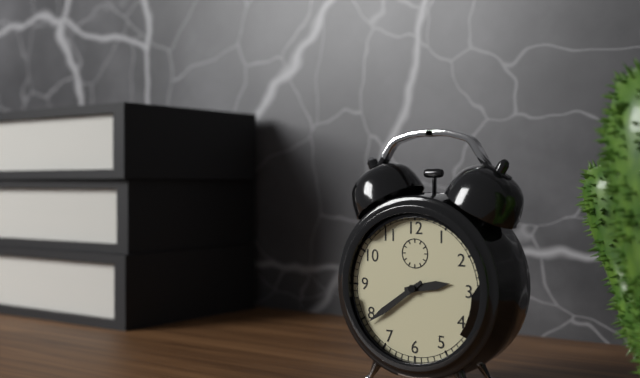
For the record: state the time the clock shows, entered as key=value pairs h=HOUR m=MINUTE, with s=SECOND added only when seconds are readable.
h=2 m=39
